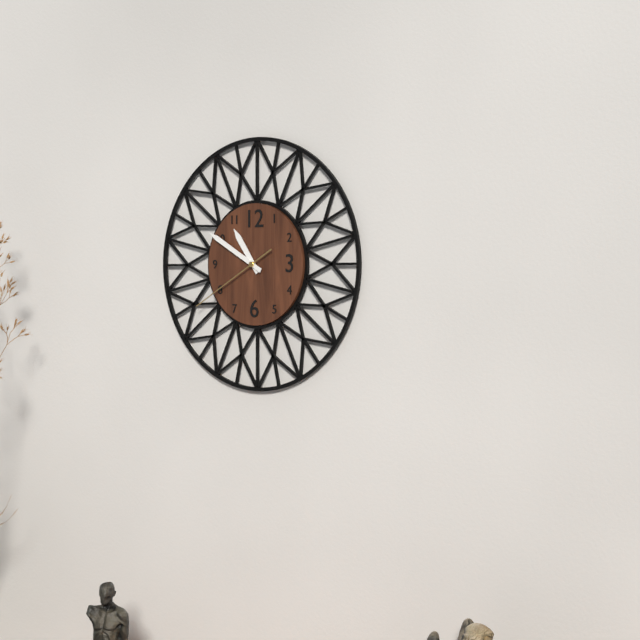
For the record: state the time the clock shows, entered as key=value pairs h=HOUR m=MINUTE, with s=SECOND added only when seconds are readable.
h=10 m=50 s=40
